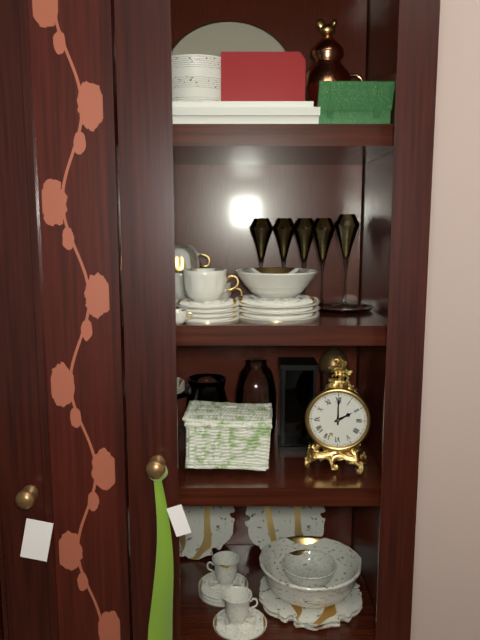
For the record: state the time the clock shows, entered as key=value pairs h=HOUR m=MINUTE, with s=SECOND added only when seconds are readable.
h=2 m=0
